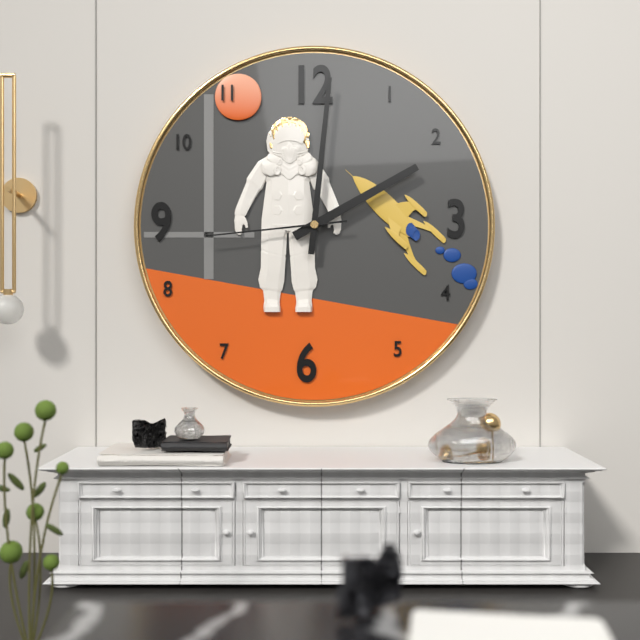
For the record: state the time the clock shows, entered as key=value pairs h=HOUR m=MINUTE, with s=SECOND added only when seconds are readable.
h=2 m=1 s=44
